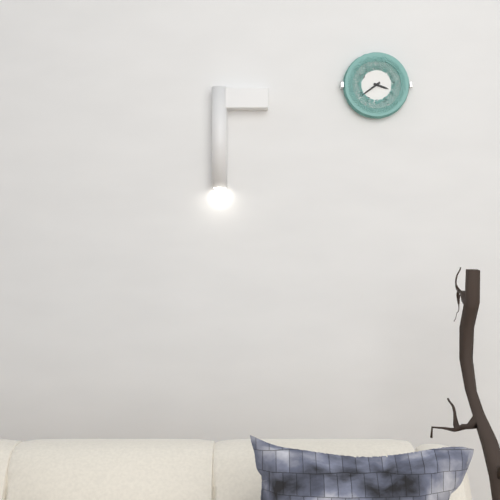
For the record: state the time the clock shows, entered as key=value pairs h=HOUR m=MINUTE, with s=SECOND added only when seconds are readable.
h=3 m=39
